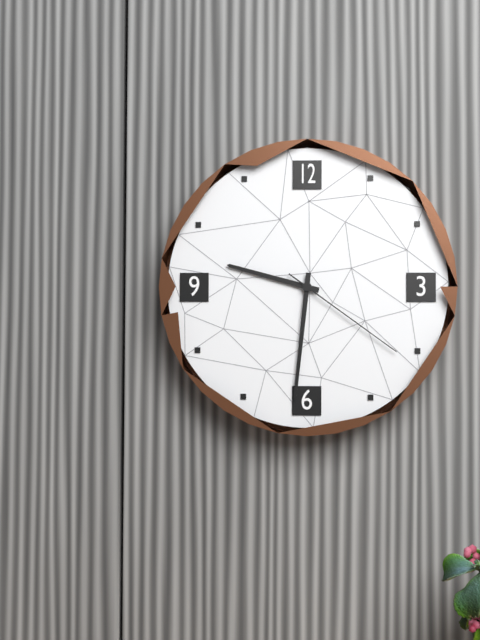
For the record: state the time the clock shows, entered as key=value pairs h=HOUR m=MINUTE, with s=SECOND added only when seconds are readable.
h=9 m=31 s=21
